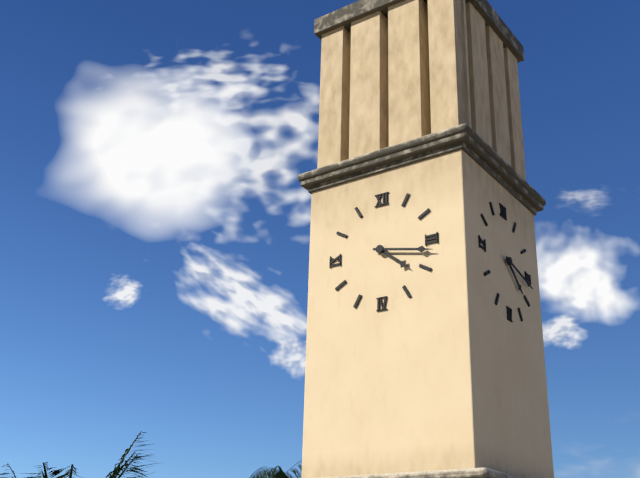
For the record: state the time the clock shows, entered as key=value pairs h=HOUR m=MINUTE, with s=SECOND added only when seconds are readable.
h=4 m=17
